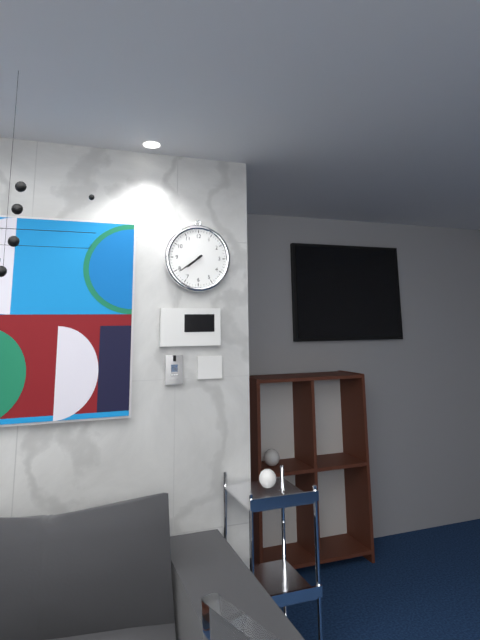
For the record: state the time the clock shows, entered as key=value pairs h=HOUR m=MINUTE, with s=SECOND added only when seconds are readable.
h=7 m=39
